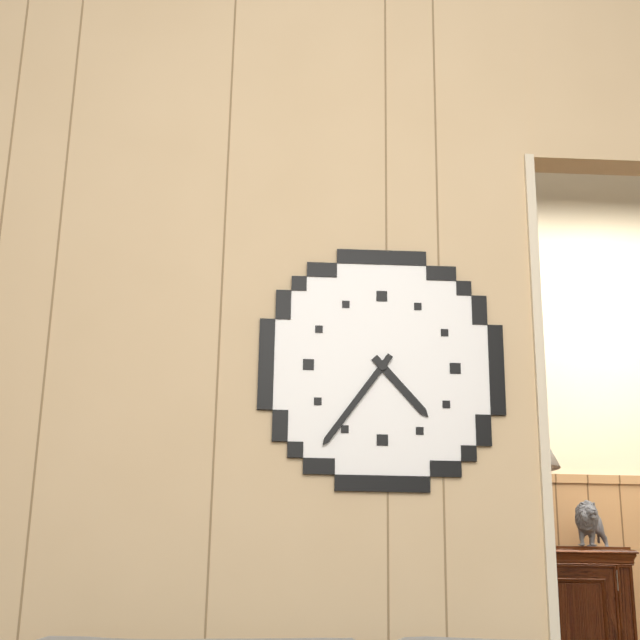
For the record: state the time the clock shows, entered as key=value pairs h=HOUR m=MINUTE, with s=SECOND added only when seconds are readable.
h=4 m=36
